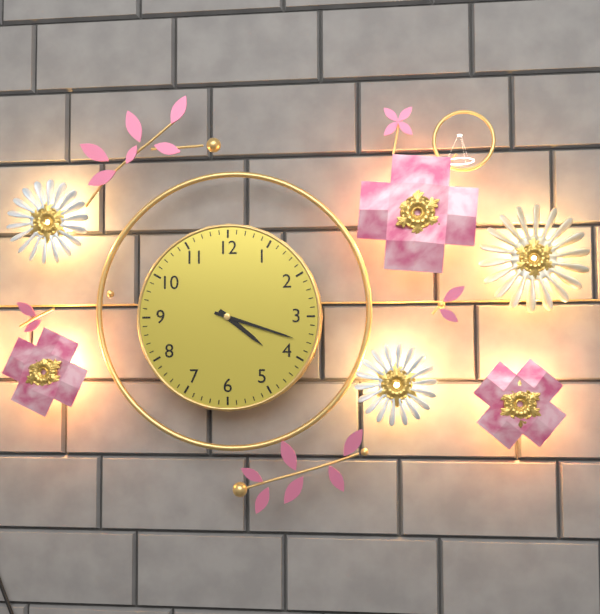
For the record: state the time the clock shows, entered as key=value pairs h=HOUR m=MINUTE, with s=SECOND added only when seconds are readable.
h=4 m=18
